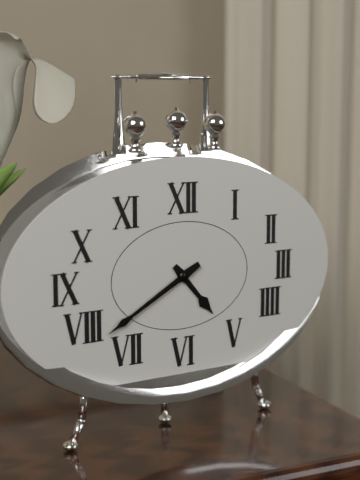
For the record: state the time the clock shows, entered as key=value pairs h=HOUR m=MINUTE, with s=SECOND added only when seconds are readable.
h=4 m=40
